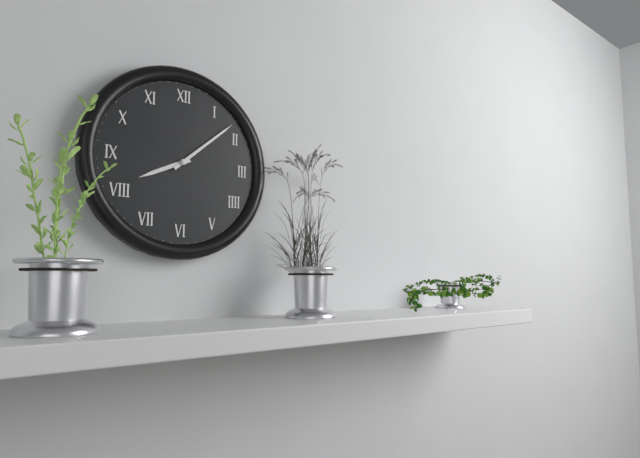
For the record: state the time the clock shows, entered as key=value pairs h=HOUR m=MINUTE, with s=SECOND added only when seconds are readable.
h=8 m=8
